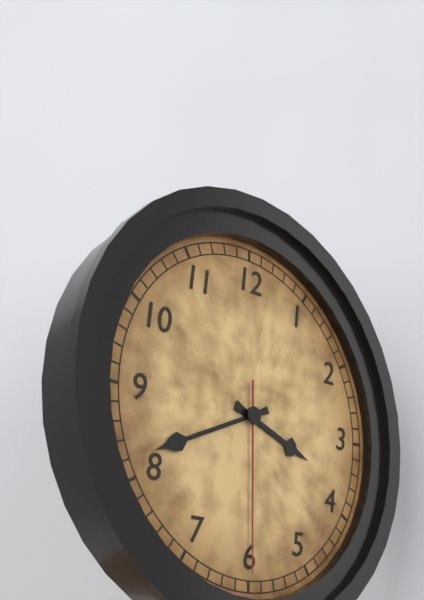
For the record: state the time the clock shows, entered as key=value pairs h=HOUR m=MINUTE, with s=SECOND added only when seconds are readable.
h=3 m=41 s=30
